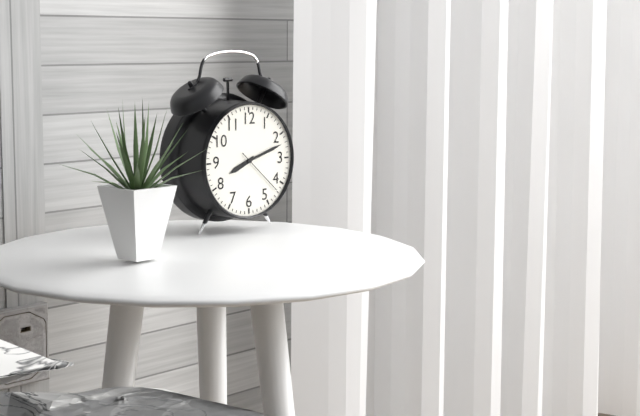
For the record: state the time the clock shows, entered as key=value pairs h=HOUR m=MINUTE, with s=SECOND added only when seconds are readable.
h=8 m=12 s=22
